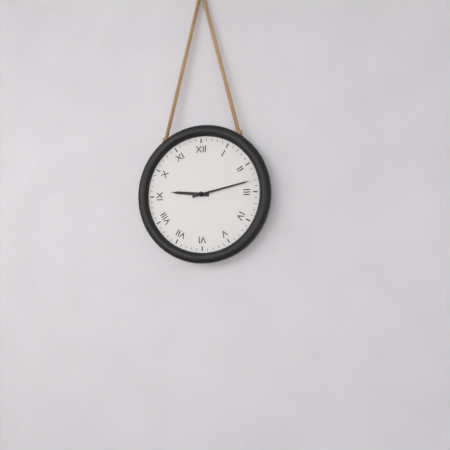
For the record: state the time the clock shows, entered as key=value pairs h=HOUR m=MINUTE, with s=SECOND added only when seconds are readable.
h=9 m=13
